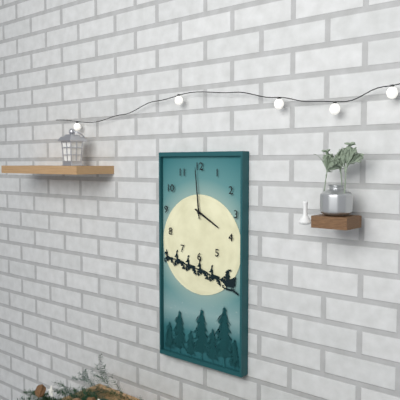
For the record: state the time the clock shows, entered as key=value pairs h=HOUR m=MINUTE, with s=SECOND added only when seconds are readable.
h=3 m=59
